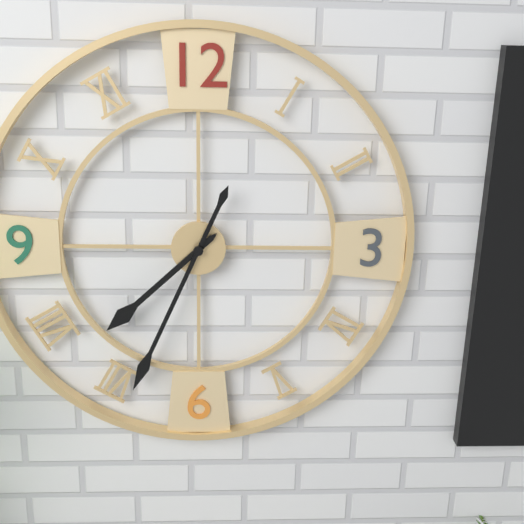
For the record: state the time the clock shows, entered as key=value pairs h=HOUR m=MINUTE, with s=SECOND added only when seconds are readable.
h=7 m=34
